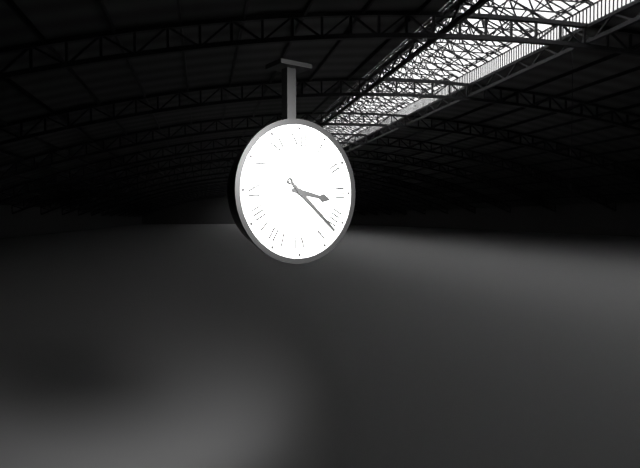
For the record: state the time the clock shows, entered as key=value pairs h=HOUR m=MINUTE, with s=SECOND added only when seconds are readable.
h=3 m=22
